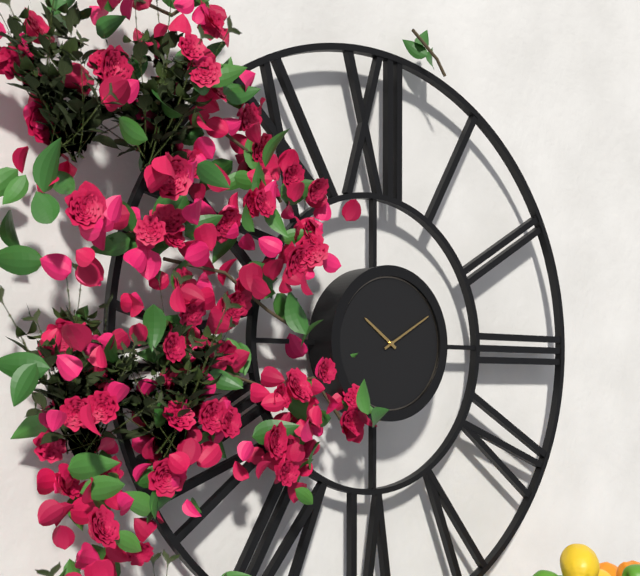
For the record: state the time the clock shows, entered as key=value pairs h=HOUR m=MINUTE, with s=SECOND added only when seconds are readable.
h=10 m=10
